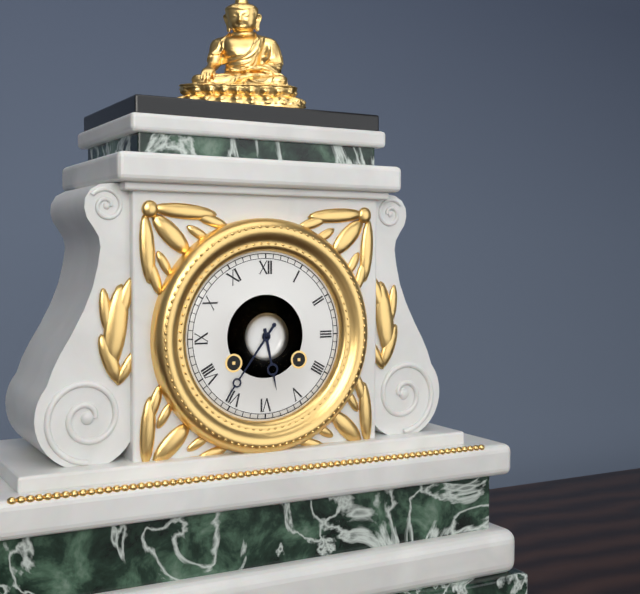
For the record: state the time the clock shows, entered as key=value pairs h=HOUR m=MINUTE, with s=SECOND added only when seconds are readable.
h=5 m=36
